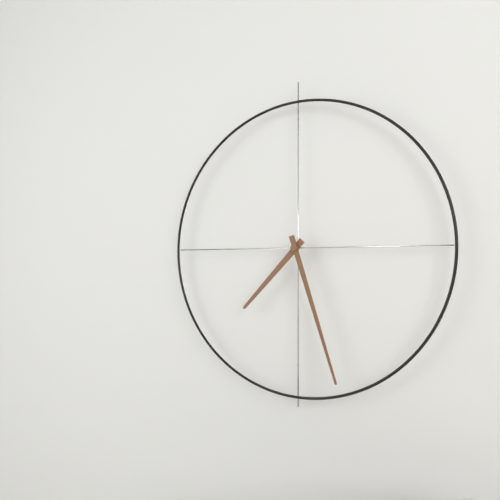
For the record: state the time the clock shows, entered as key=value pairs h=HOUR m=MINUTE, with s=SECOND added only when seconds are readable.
h=7 m=27
